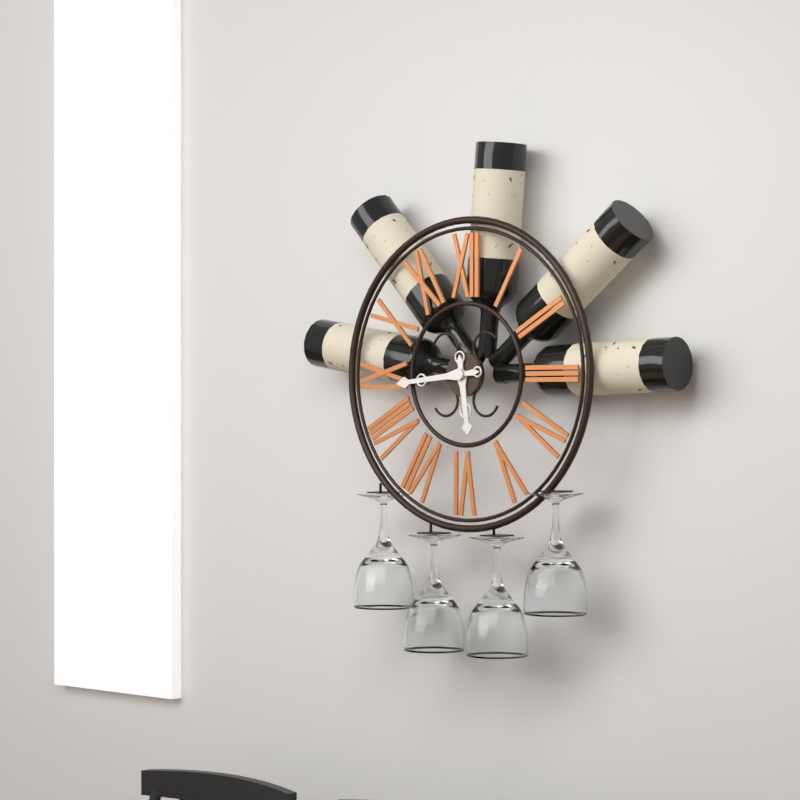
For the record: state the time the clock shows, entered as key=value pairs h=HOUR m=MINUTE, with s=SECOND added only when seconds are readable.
h=5 m=44
